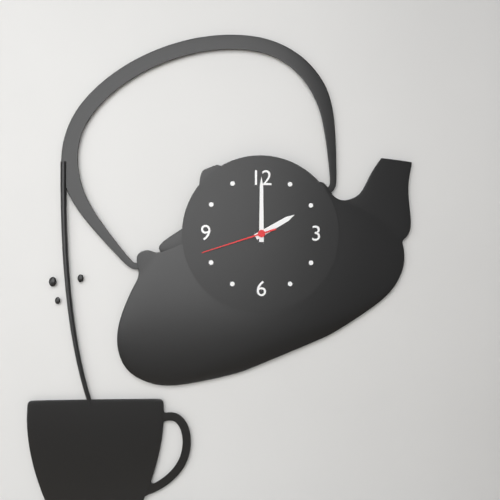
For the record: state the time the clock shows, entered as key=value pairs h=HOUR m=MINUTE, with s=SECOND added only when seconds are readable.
h=2 m=0 s=42
